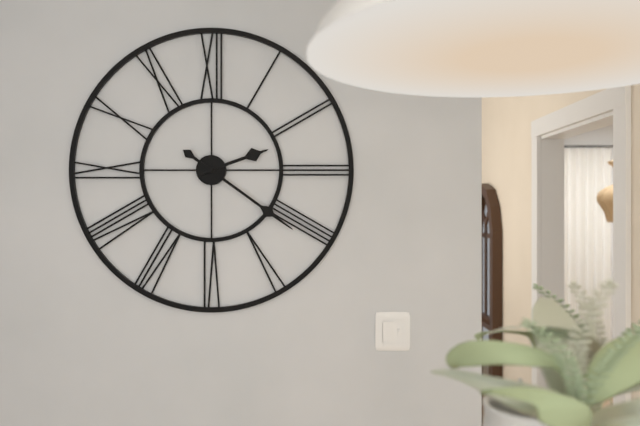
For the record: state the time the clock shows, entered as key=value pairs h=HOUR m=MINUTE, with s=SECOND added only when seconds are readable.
h=2 m=21
